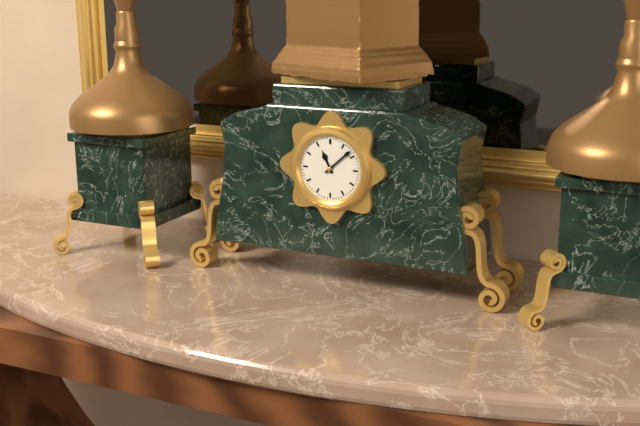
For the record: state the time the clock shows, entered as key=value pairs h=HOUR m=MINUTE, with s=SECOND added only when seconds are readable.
h=11 m=8
